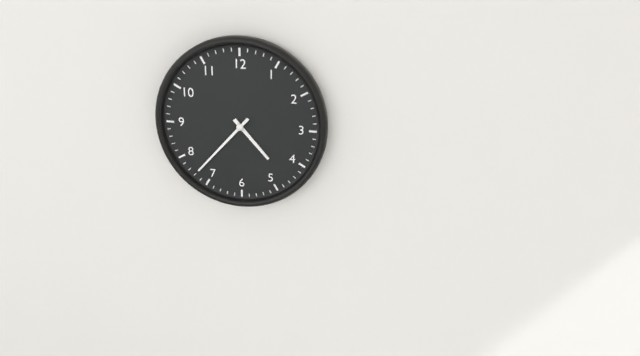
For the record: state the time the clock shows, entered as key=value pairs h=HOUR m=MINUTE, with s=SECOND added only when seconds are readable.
h=4 m=37
